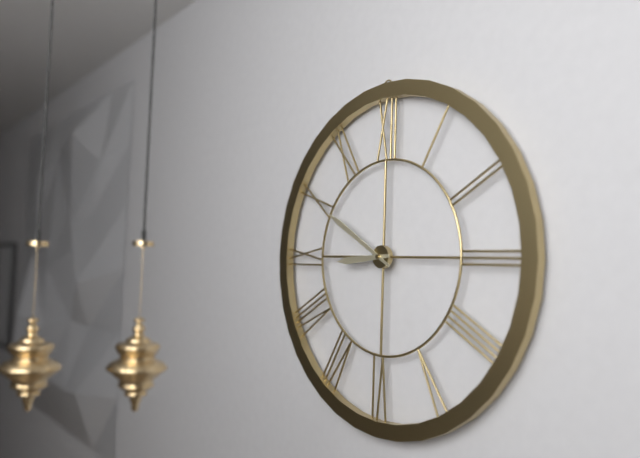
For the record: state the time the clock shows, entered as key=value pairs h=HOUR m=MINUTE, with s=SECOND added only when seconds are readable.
h=8 m=50
